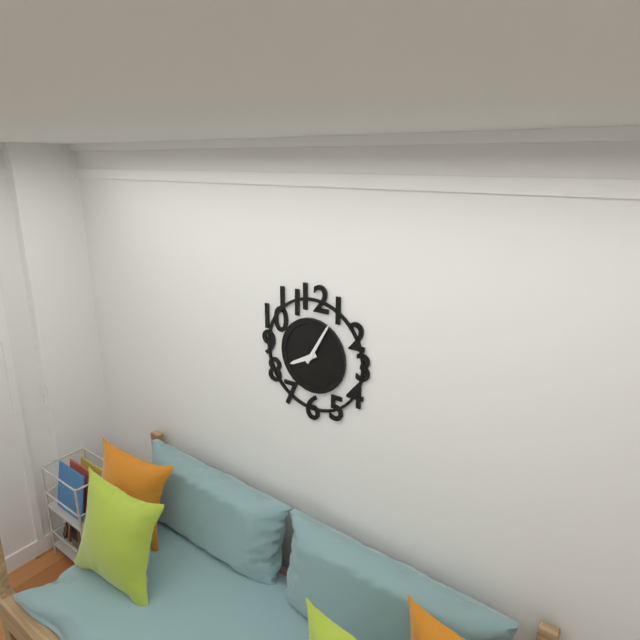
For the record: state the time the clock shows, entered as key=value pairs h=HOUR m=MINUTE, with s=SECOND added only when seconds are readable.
h=8 m=5
